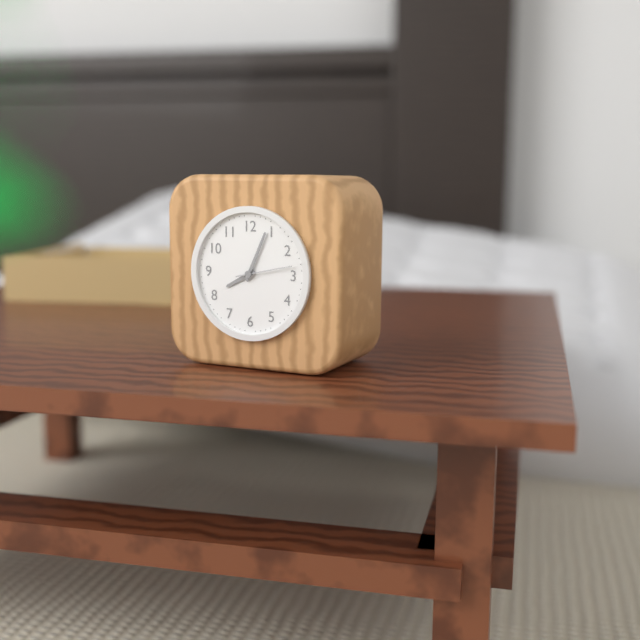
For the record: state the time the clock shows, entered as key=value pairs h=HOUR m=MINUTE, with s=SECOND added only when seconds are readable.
h=8 m=4 s=13
